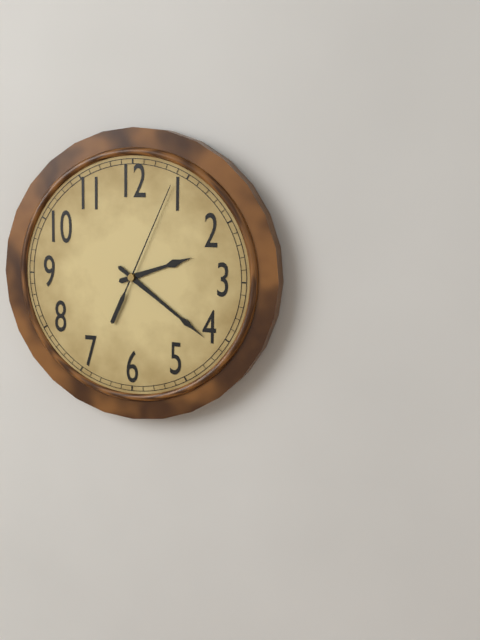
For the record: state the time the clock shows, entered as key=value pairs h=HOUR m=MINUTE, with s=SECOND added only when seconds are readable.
h=2 m=21 s=4
